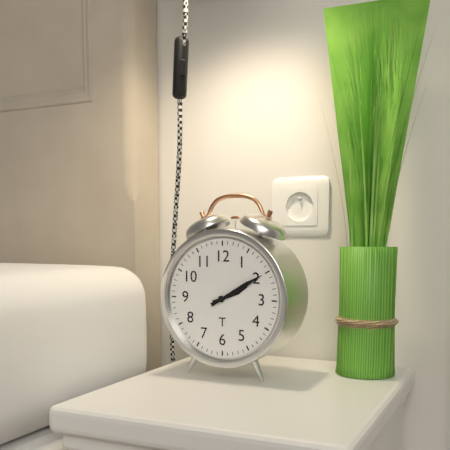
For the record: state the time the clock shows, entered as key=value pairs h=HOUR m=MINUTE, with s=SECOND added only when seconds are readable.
h=2 m=10
